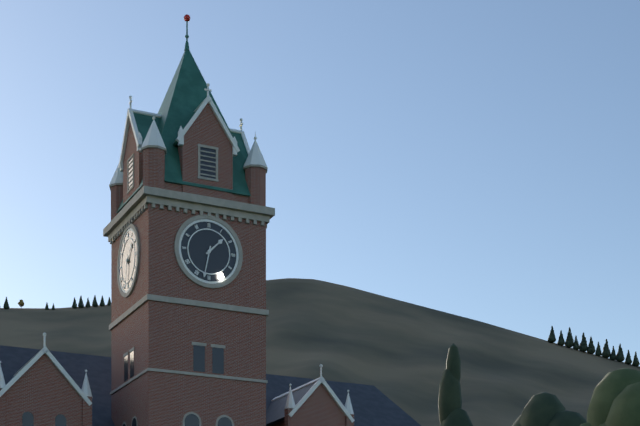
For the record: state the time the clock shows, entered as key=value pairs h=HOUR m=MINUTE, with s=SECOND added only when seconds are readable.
h=1 m=32
